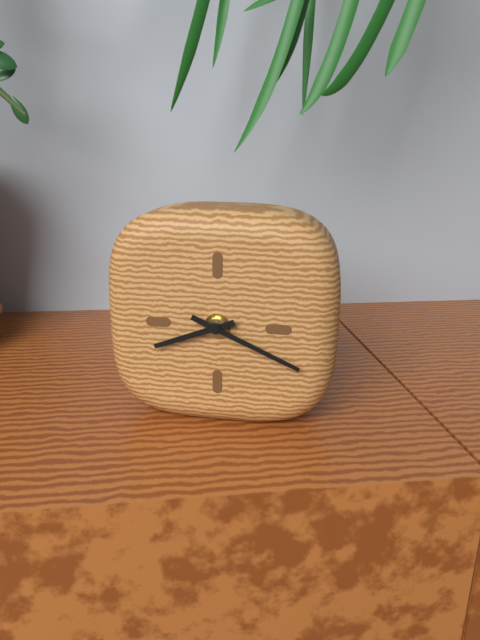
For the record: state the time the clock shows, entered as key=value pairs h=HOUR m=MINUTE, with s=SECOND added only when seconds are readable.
h=8 m=19
